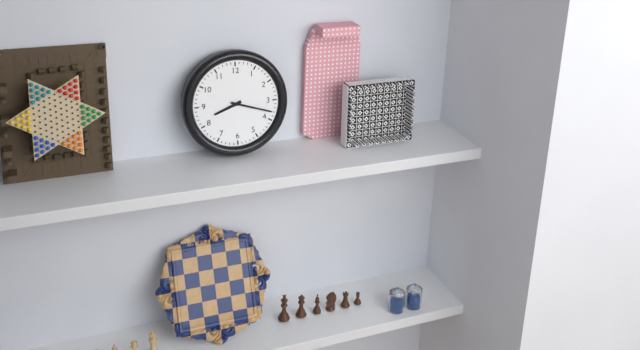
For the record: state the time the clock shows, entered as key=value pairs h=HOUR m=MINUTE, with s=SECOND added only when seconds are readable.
h=8 m=18
